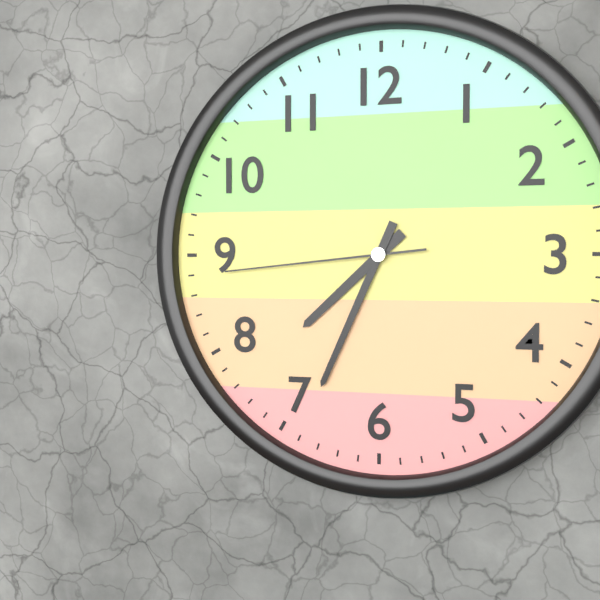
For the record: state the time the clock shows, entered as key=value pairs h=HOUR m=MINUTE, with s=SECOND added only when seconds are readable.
h=7 m=34 s=44
